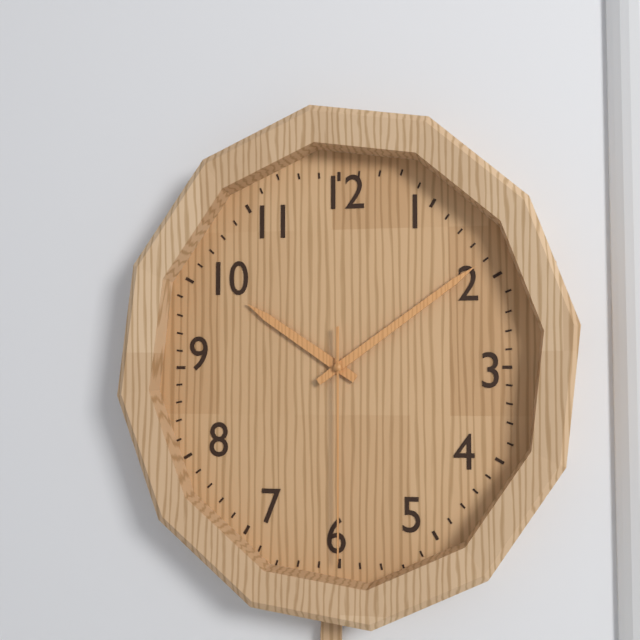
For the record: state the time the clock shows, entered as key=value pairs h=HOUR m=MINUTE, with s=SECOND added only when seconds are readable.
h=10 m=9 s=30
